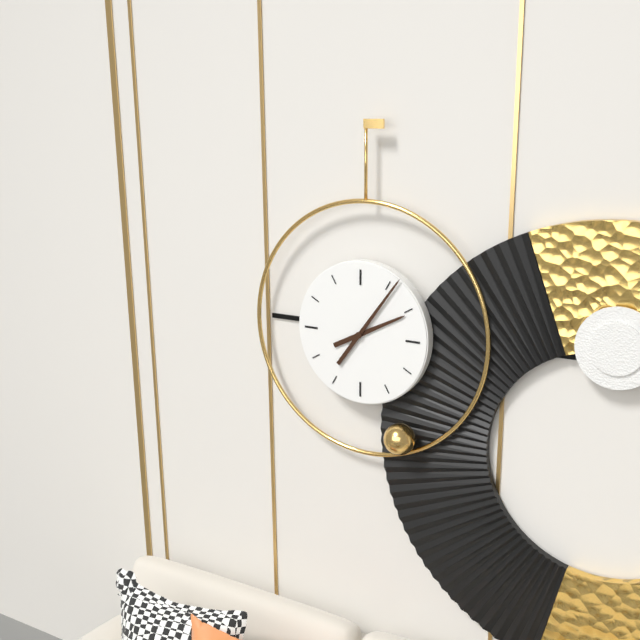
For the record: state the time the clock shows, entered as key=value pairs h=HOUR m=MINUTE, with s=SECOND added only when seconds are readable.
h=2 m=6
